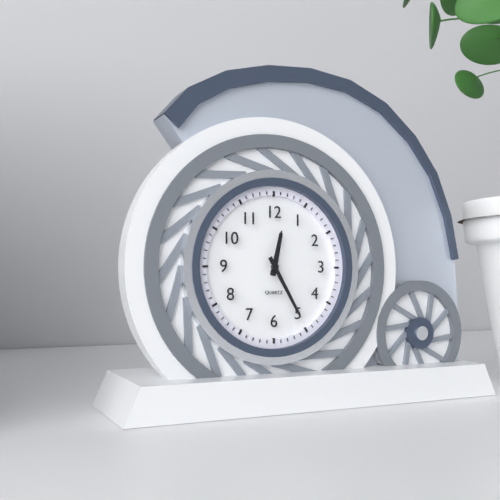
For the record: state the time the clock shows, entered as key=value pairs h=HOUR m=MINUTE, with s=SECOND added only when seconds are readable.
h=12 m=25
